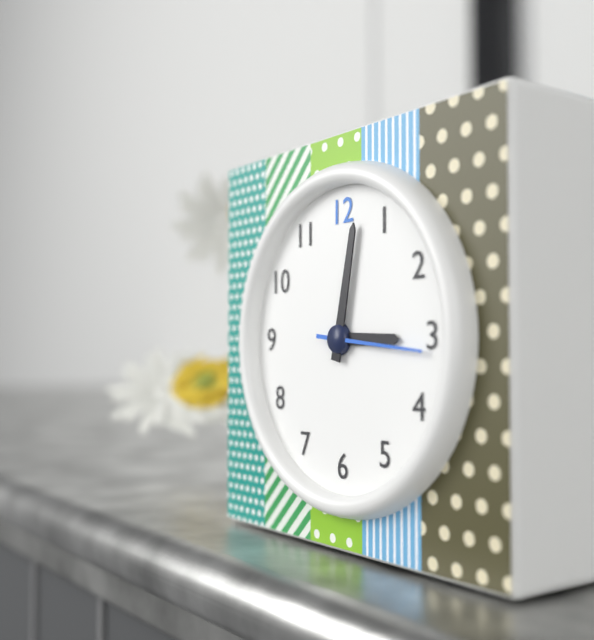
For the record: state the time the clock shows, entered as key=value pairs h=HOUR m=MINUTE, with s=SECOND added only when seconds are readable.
h=3 m=2 s=16
